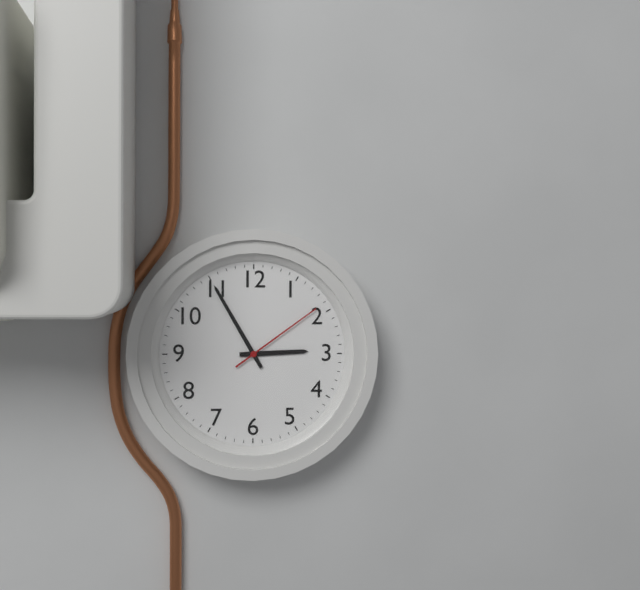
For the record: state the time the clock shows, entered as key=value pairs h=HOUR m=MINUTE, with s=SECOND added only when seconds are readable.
h=2 m=55 s=9
